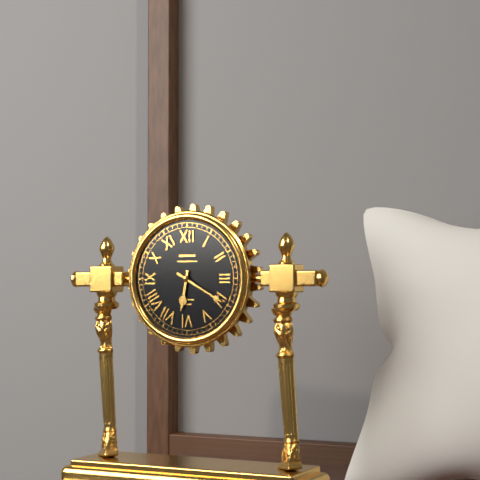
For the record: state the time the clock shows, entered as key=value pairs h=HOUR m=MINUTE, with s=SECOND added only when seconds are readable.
h=6 m=20
